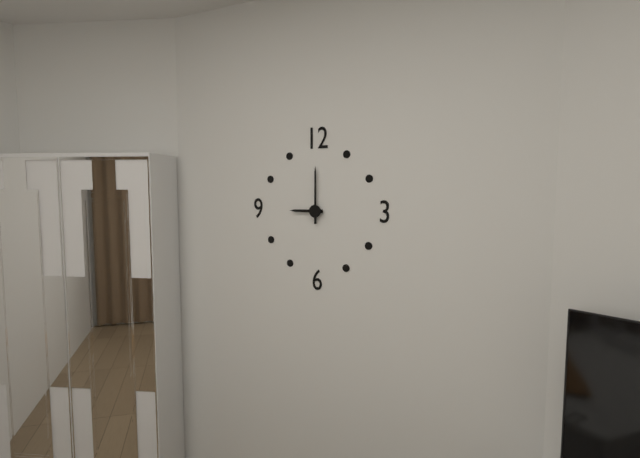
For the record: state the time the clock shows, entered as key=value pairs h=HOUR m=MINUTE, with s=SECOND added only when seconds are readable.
h=9 m=0
